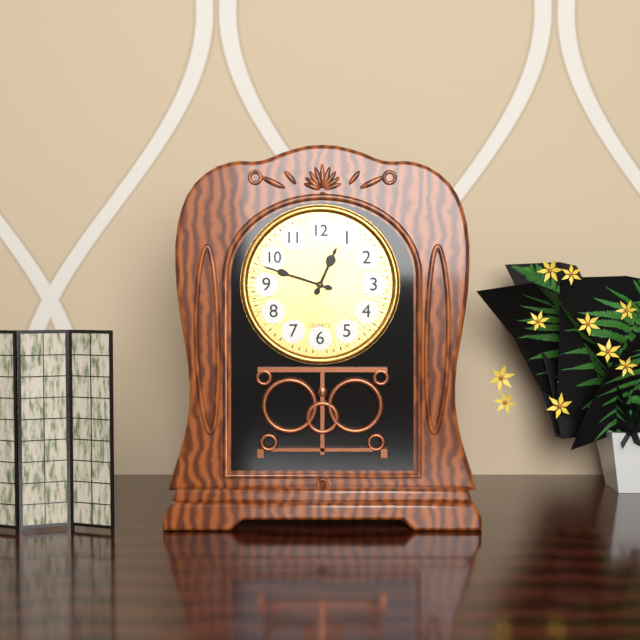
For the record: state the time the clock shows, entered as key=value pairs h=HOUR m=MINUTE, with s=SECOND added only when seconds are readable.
h=12 m=48
